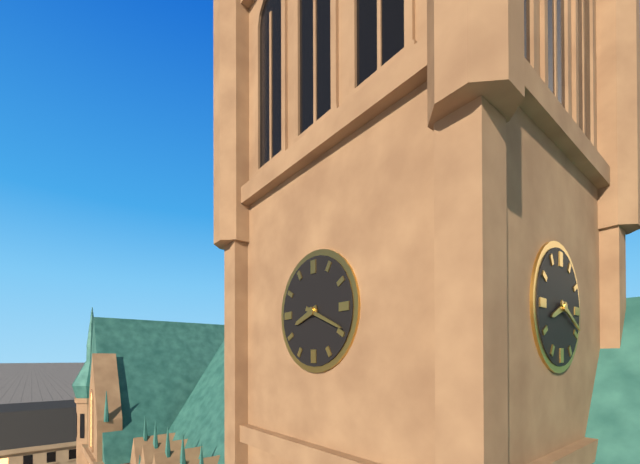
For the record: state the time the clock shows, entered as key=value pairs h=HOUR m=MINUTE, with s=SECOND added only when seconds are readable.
h=8 m=19
